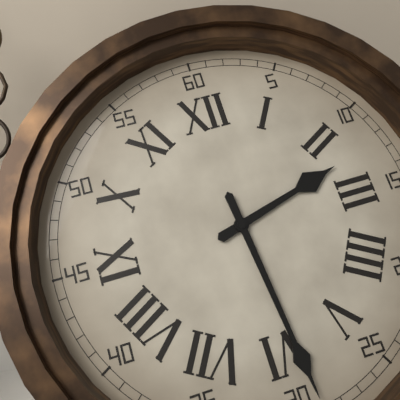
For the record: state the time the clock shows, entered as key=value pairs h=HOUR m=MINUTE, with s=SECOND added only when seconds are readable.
h=2 m=29
